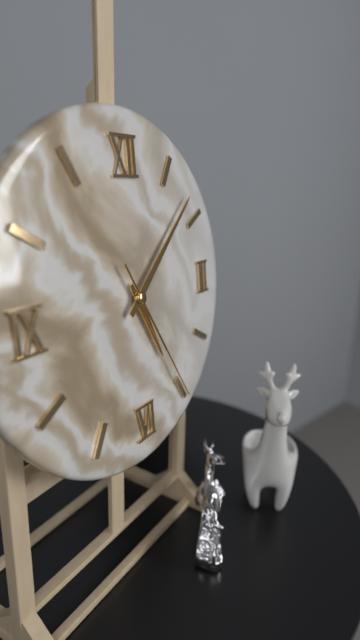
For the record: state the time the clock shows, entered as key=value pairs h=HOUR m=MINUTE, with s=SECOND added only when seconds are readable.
h=5 m=8 s=25
